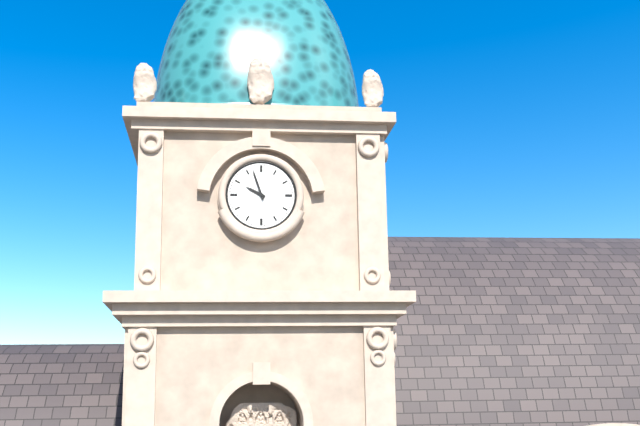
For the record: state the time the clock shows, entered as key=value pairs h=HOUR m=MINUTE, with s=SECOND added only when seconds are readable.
h=9 m=57
